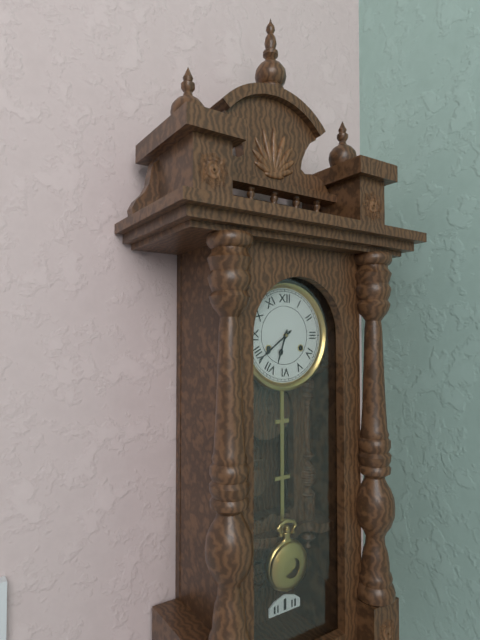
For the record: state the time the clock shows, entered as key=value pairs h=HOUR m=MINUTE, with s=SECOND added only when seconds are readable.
h=6 m=39
